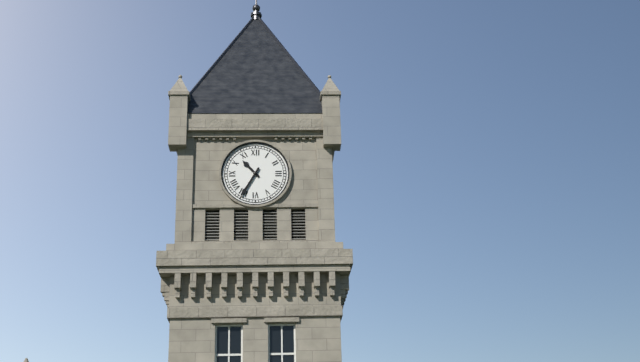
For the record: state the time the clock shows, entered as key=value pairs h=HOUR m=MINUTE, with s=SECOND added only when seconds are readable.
h=10 m=35
